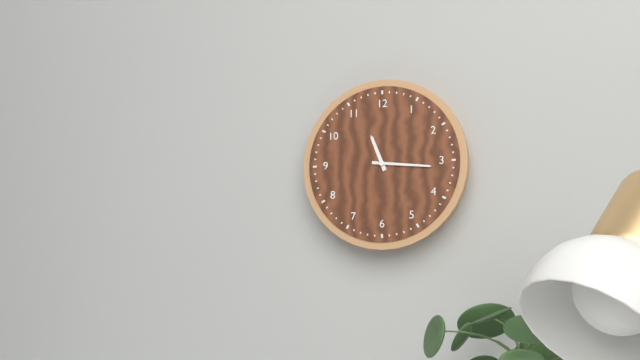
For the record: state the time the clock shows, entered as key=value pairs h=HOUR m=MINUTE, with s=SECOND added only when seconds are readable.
h=11 m=16
